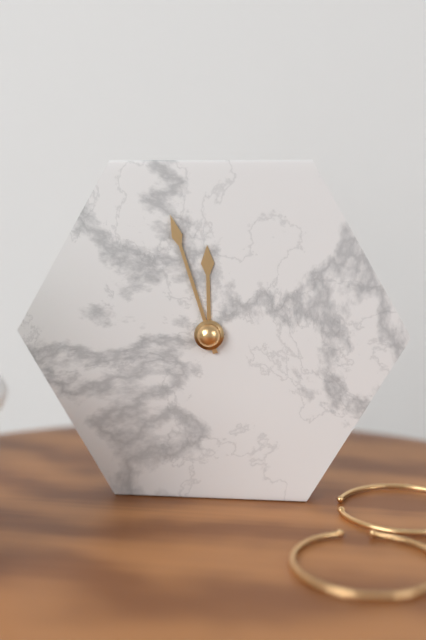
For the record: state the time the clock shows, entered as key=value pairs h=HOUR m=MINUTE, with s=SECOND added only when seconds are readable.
h=11 m=57
